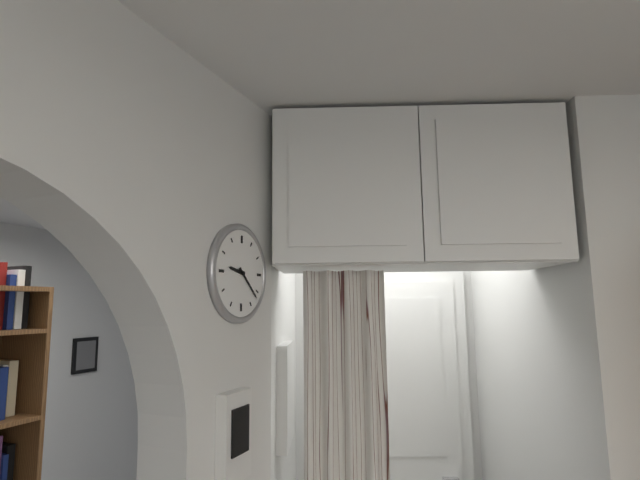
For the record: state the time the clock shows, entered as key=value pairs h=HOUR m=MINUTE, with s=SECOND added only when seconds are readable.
h=9 m=22
